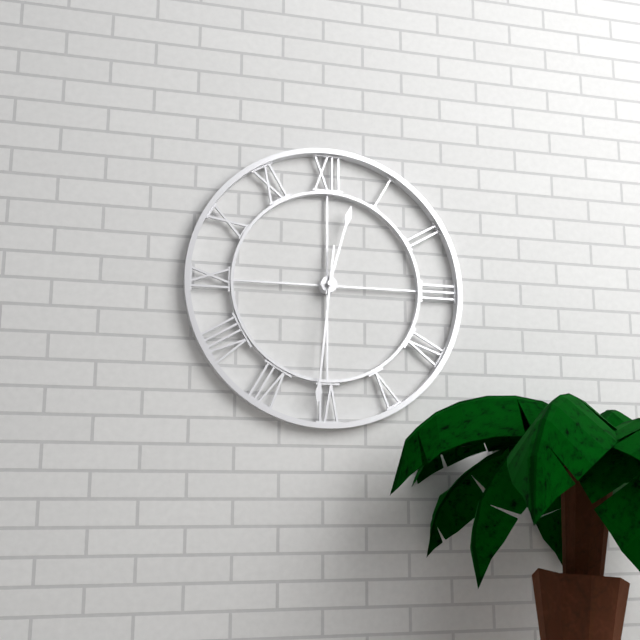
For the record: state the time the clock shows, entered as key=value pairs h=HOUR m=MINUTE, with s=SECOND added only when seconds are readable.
h=12 m=31
